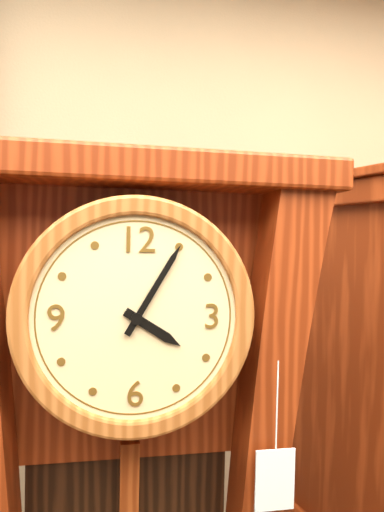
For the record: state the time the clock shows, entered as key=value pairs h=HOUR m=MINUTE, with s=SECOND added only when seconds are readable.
h=4 m=5
